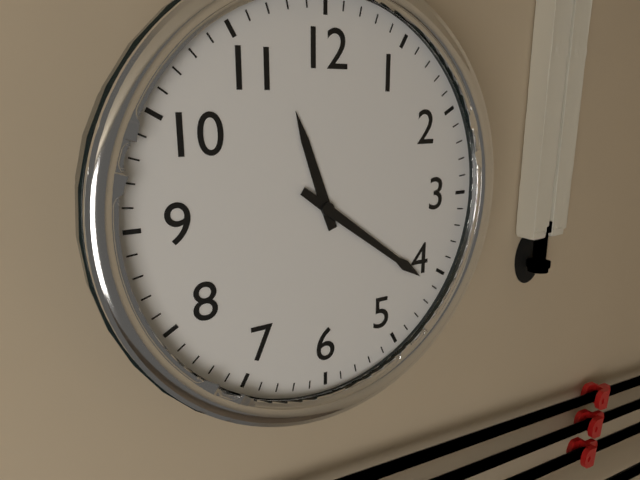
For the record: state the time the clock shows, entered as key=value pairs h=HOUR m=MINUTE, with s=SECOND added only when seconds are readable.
h=11 m=21
